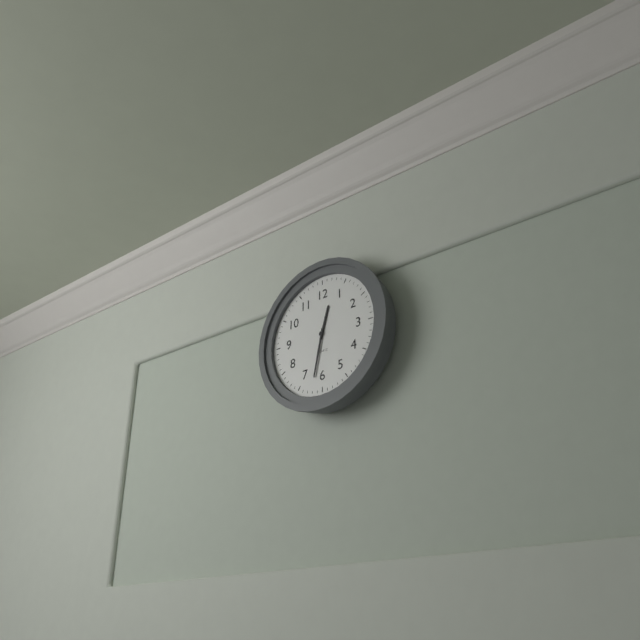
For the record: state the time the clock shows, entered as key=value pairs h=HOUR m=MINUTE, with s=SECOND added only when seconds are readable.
h=12 m=32
